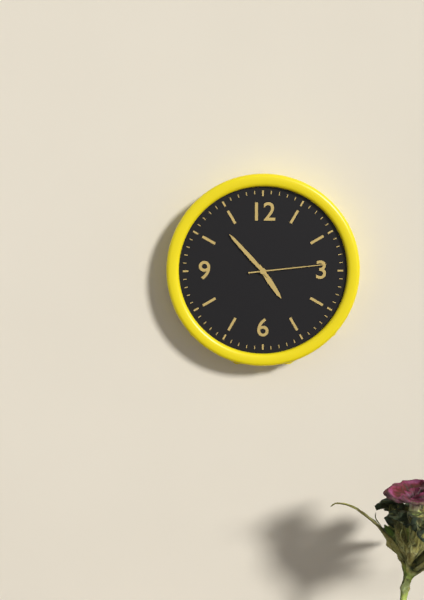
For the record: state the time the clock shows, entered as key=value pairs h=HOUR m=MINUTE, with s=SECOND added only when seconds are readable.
h=4 m=53 s=14
